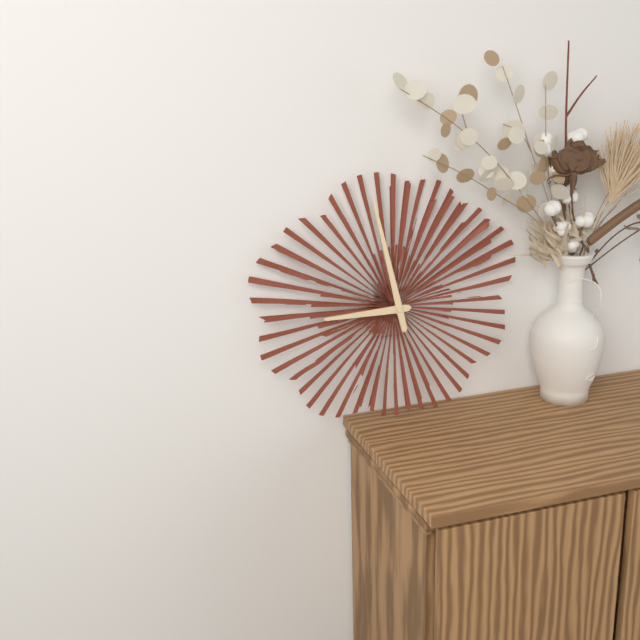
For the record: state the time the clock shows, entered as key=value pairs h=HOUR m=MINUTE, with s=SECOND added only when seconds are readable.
h=8 m=58
